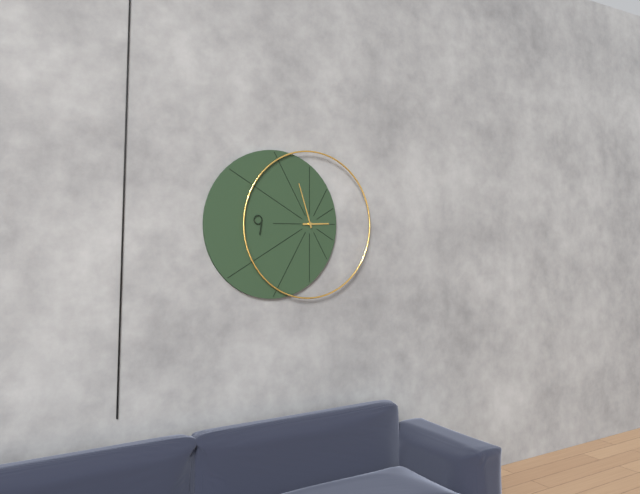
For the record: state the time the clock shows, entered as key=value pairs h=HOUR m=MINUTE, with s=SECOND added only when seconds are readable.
h=2 m=57
